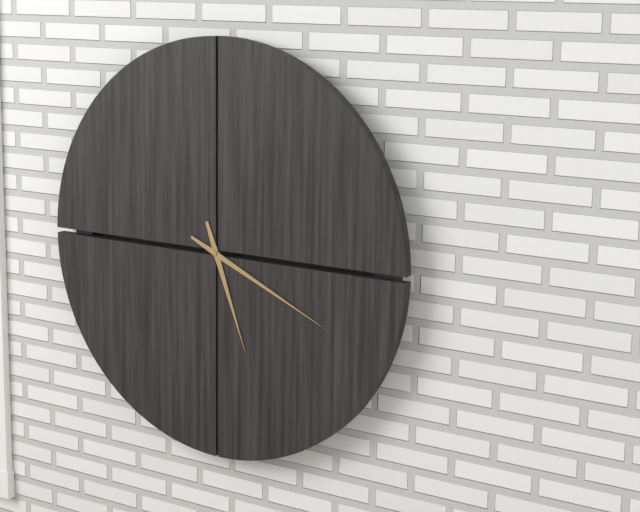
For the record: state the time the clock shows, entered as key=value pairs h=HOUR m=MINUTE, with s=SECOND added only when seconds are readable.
h=5 m=19
